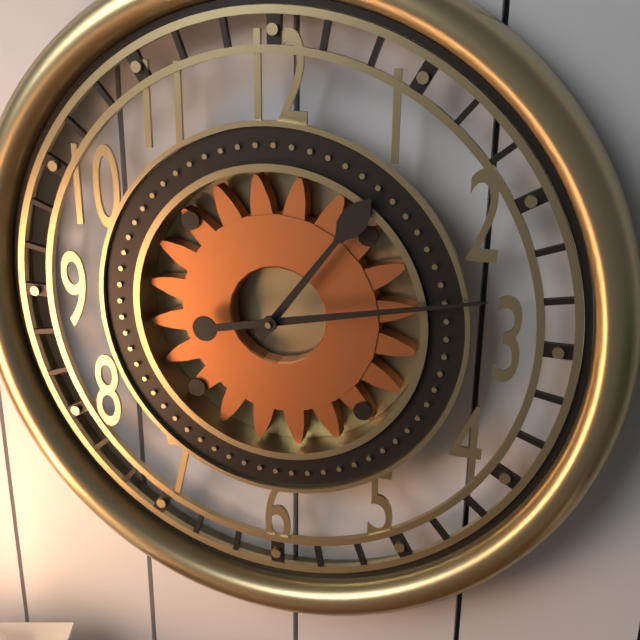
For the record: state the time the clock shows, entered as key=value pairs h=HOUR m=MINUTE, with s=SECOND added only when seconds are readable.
h=1 m=13
